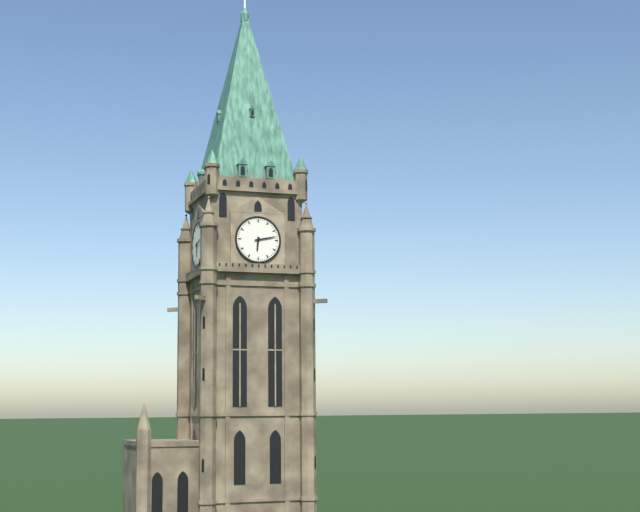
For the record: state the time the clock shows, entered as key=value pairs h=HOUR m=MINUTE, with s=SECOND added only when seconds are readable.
h=6 m=13
